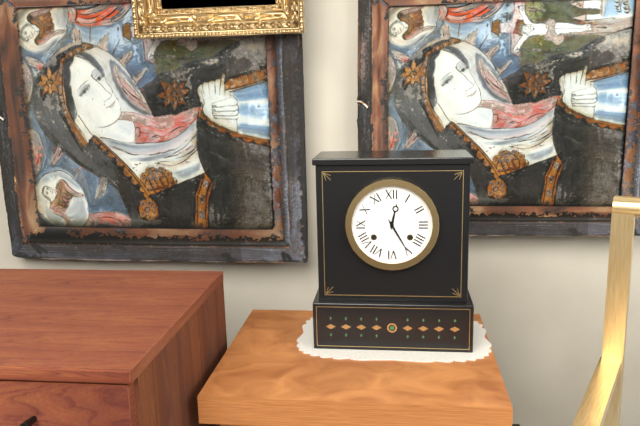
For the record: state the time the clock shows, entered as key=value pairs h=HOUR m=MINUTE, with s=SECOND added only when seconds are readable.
h=12 m=25
